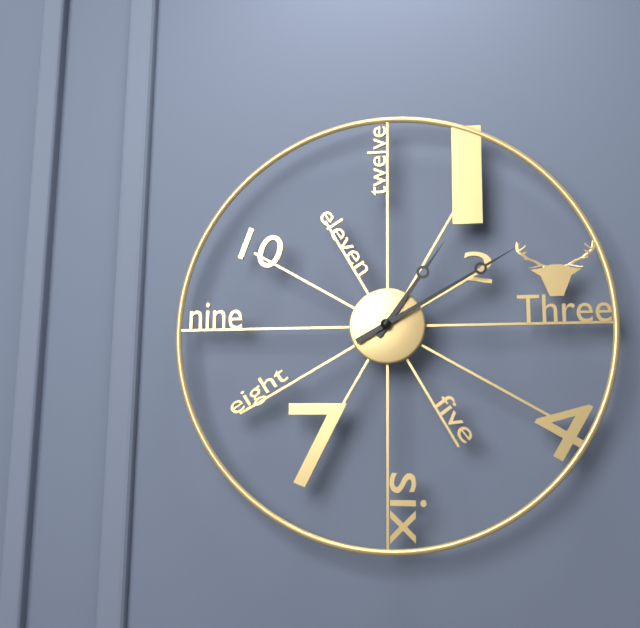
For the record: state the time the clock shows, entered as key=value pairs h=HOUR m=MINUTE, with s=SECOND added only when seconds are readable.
h=1 m=10
